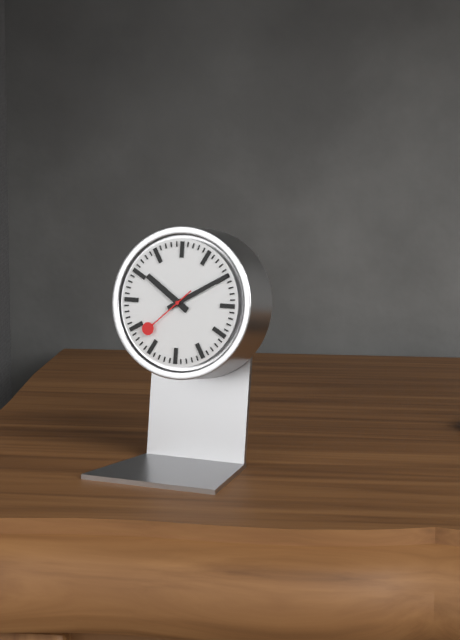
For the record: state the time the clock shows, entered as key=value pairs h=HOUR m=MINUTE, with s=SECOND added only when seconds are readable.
h=10 m=10 s=38
